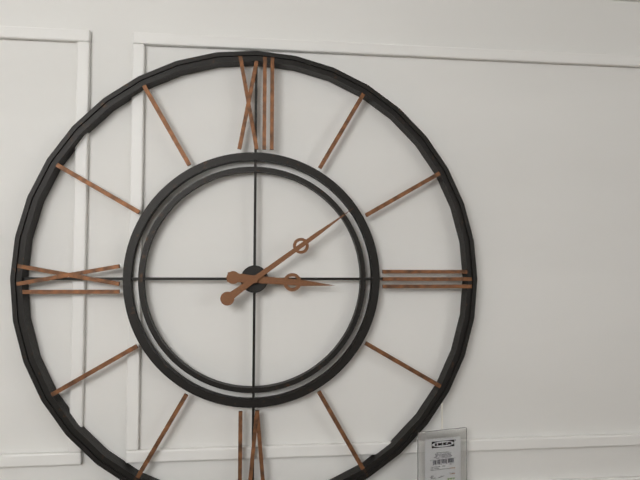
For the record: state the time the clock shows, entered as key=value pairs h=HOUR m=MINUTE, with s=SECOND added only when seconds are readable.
h=3 m=9
